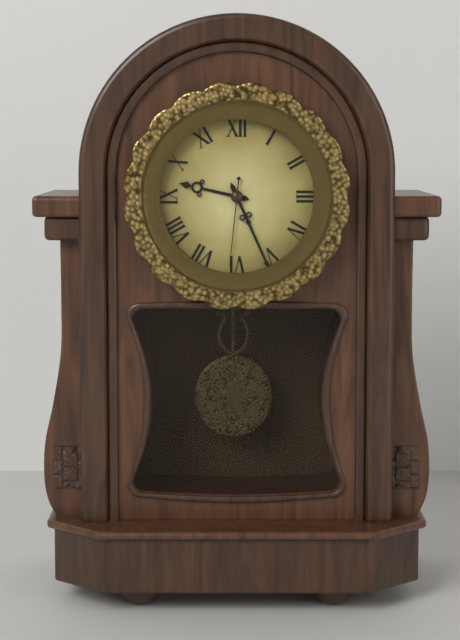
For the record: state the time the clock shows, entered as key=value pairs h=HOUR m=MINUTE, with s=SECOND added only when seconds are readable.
h=9 m=26 s=31
